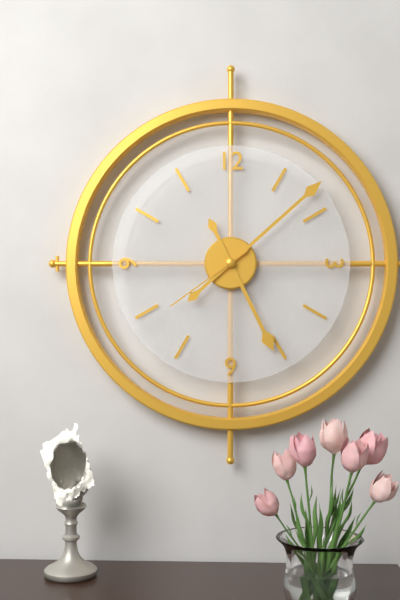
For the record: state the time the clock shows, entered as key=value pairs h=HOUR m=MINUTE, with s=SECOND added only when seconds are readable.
h=5 m=8 s=39
